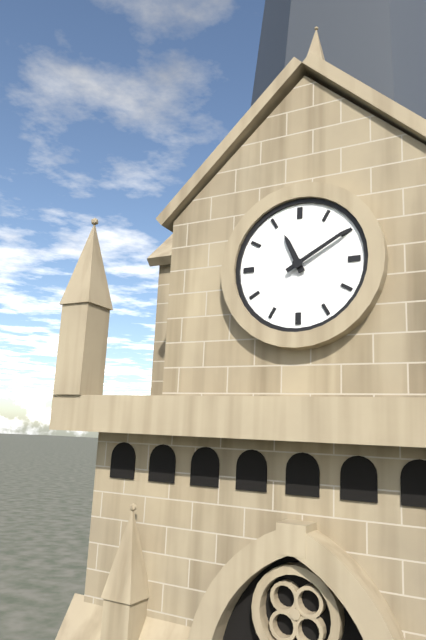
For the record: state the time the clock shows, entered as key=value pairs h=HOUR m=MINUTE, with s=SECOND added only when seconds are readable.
h=11 m=10
